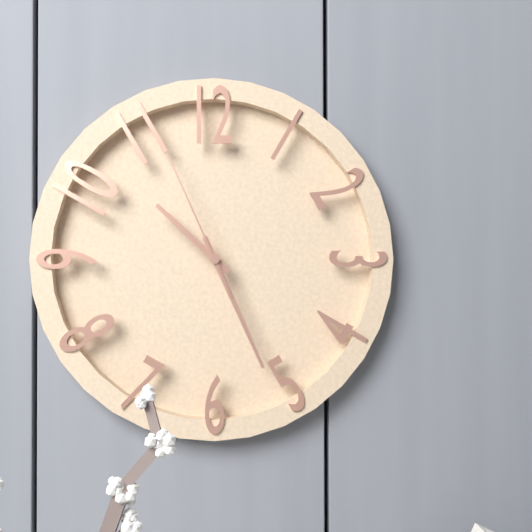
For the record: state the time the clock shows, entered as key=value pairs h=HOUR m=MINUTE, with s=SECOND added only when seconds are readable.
h=10 m=26 s=56
